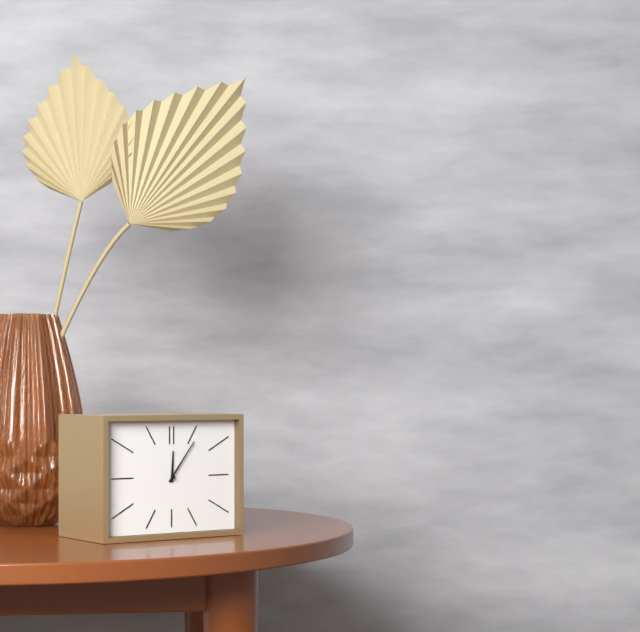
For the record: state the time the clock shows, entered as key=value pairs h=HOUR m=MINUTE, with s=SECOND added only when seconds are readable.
h=12 m=6
